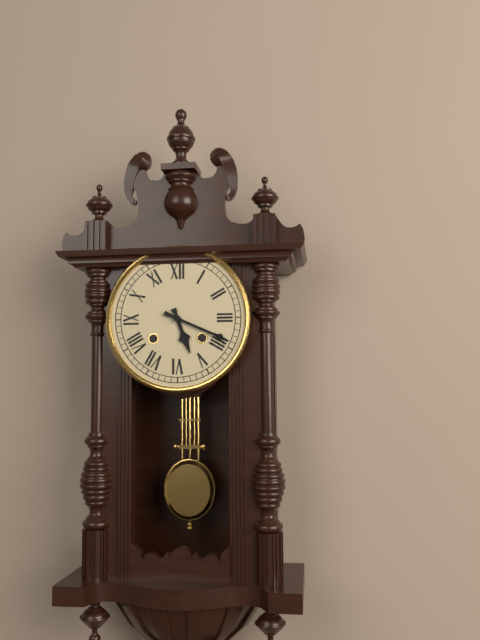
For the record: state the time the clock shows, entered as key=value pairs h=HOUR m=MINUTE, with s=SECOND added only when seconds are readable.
h=5 m=19
